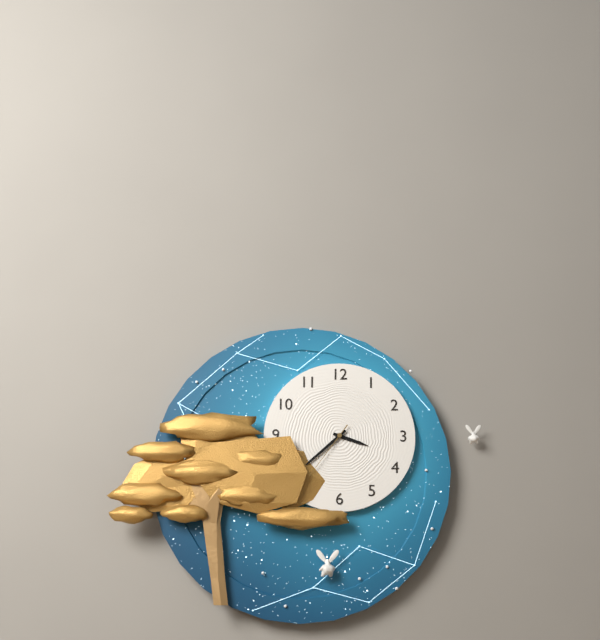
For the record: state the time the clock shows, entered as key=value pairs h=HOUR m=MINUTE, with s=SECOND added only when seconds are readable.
h=3 m=38 s=36
